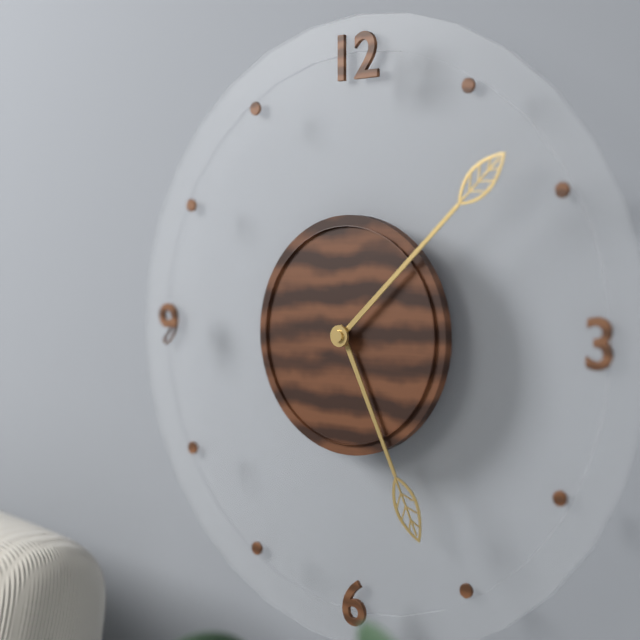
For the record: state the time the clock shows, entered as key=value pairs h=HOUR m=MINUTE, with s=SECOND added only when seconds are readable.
h=5 m=8
